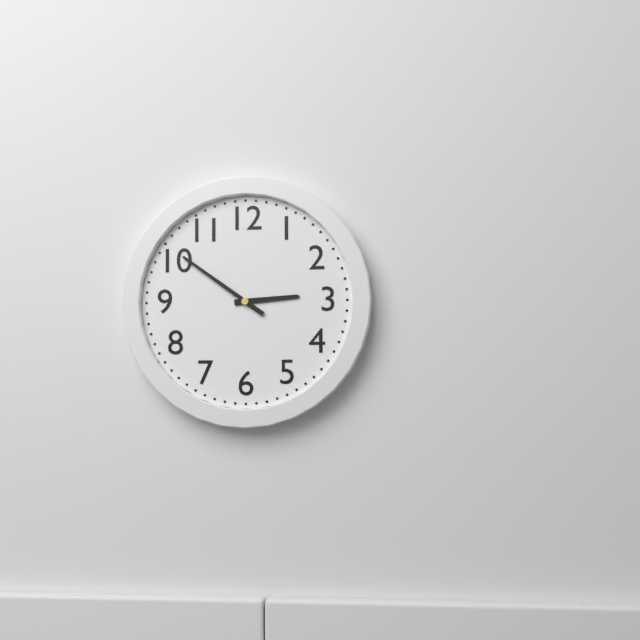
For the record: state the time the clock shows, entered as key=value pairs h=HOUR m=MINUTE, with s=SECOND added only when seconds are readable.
h=2 m=51
